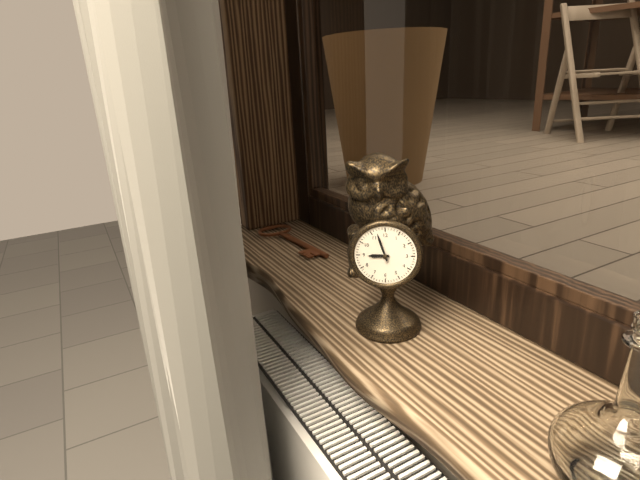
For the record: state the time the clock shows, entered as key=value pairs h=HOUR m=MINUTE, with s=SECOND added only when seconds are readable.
h=8 m=57
